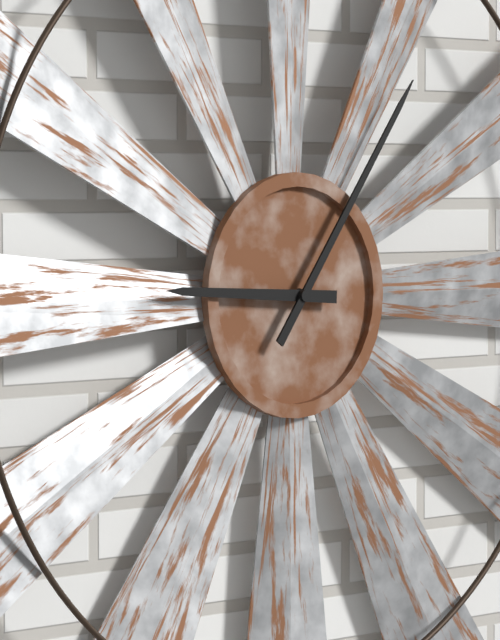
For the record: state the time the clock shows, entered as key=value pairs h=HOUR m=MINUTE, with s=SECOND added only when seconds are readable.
h=9 m=6
